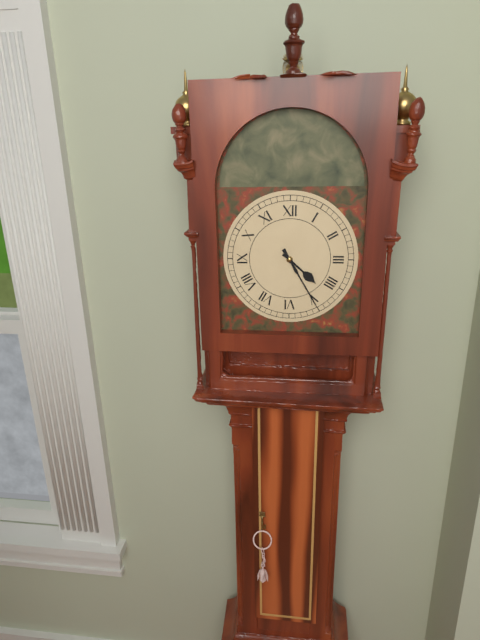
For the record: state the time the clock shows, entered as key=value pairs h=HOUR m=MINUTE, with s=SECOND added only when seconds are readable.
h=4 m=25
